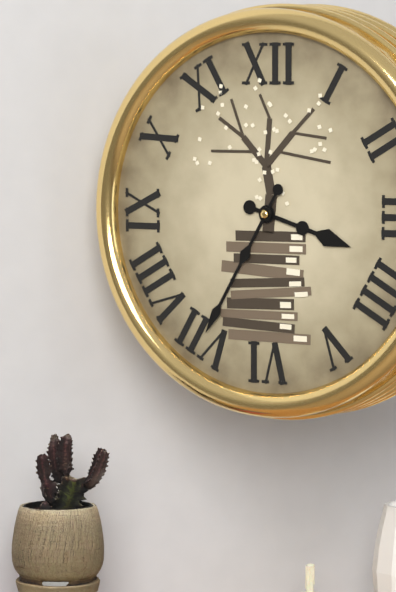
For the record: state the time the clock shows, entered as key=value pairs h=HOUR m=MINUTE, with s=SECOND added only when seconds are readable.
h=3 m=35
